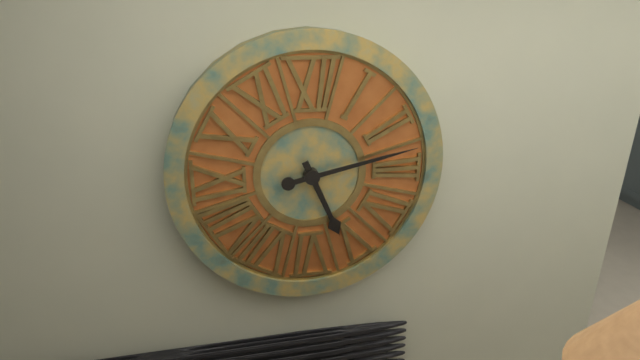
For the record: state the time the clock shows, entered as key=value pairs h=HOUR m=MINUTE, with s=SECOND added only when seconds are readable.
h=5 m=13
